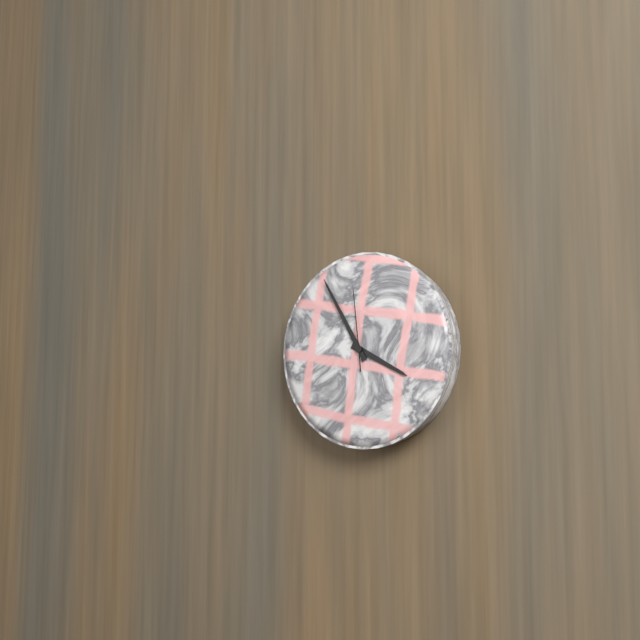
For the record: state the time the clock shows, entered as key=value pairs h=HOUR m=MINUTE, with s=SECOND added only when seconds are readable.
h=3 m=55 s=59
